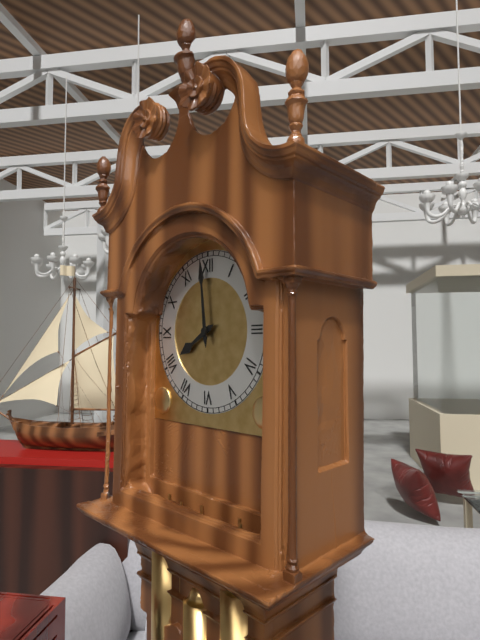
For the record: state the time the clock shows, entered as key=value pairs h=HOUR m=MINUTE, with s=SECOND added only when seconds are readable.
h=7 m=59
